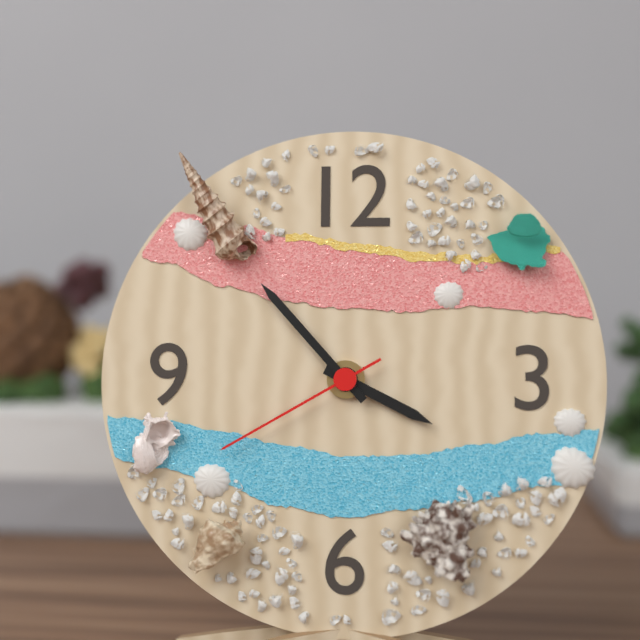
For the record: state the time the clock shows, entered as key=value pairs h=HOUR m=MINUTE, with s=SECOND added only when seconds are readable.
h=3 m=53 s=40
